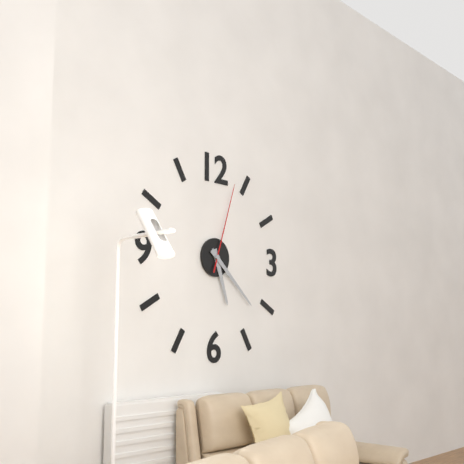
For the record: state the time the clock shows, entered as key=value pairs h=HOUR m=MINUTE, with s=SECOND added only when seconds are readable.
h=5 m=22 s=3
